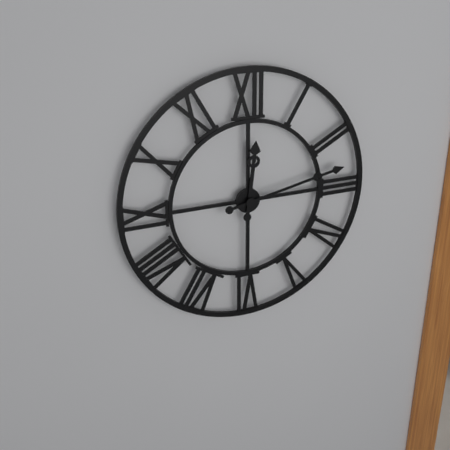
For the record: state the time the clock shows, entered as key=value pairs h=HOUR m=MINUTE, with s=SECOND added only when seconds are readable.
h=12 m=13
